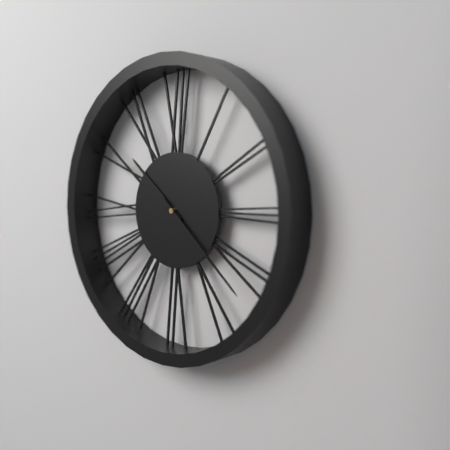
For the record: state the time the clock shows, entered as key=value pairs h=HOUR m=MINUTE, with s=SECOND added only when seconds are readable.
h=10 m=22
